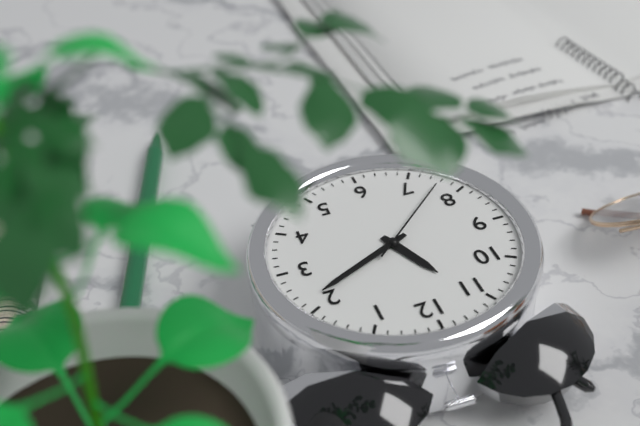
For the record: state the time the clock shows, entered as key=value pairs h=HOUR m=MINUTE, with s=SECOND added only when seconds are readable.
h=11 m=11 s=38
